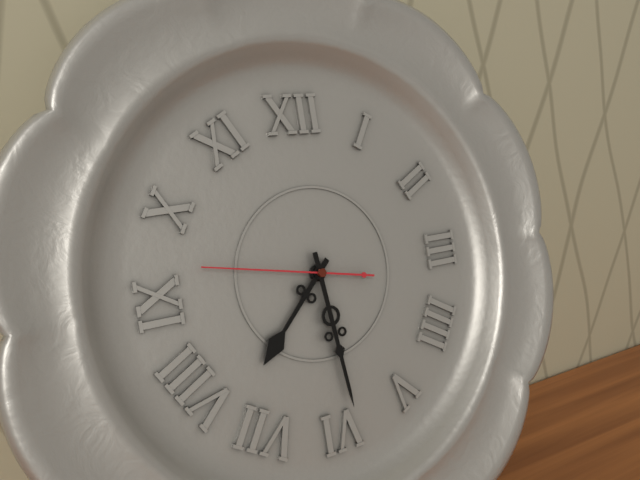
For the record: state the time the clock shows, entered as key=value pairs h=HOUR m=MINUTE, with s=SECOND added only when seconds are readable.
h=7 m=29 s=47
